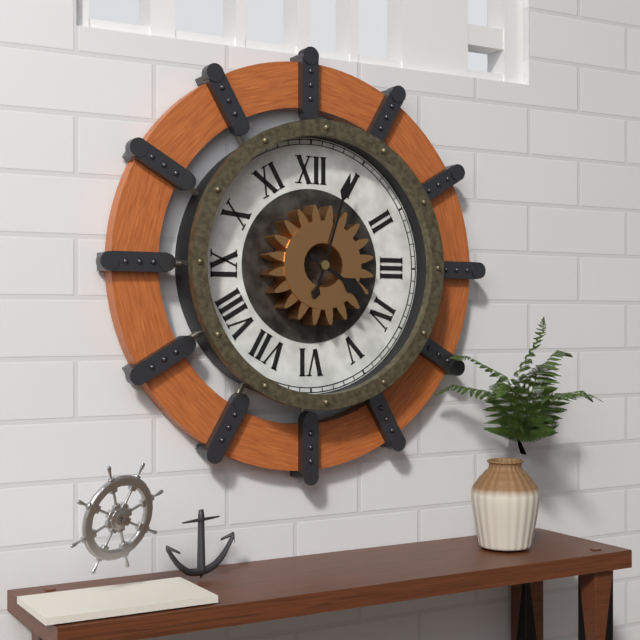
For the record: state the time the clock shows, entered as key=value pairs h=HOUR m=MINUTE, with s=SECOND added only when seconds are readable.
h=4 m=3
